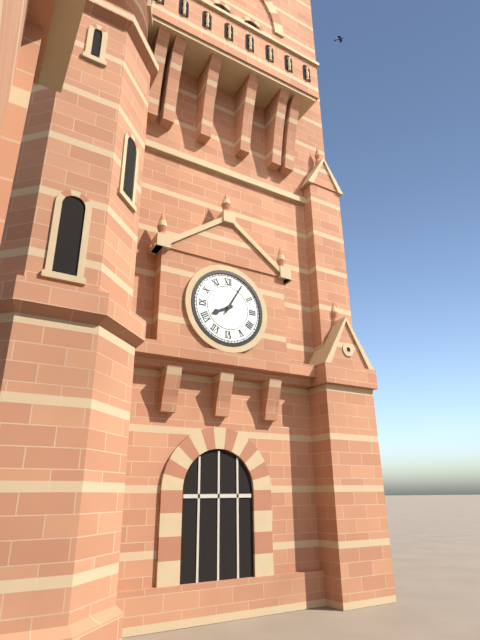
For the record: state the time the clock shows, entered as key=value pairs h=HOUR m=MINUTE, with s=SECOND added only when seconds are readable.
h=8 m=5
